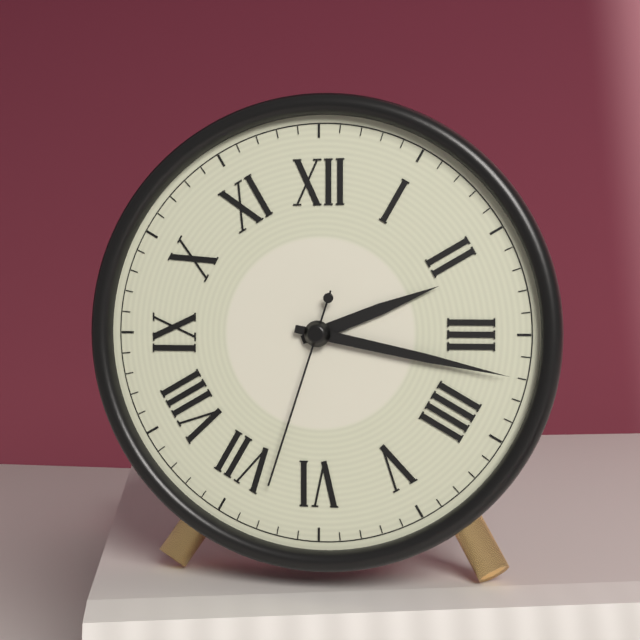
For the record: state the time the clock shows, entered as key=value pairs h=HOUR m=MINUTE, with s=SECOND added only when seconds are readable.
h=2 m=17 s=33
